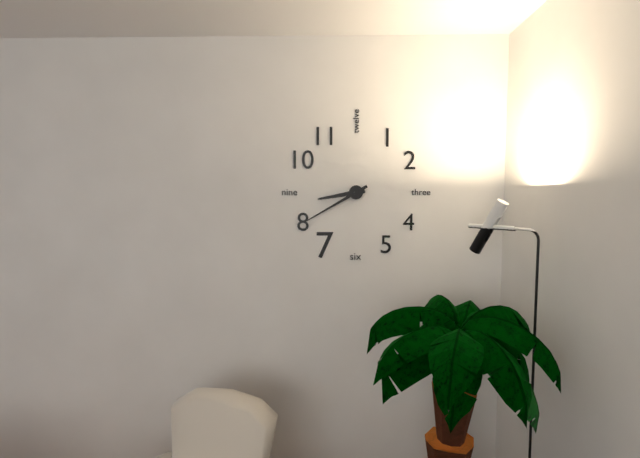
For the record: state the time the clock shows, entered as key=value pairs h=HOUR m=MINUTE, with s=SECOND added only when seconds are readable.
h=8 m=40
